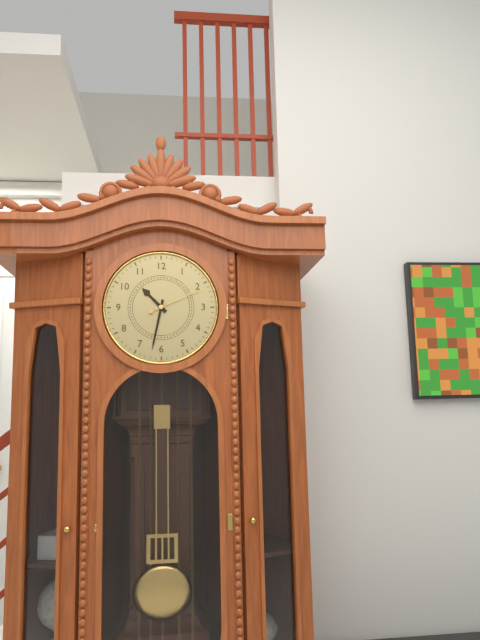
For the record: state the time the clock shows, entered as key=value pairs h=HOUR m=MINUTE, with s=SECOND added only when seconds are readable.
h=10 m=32 s=11
